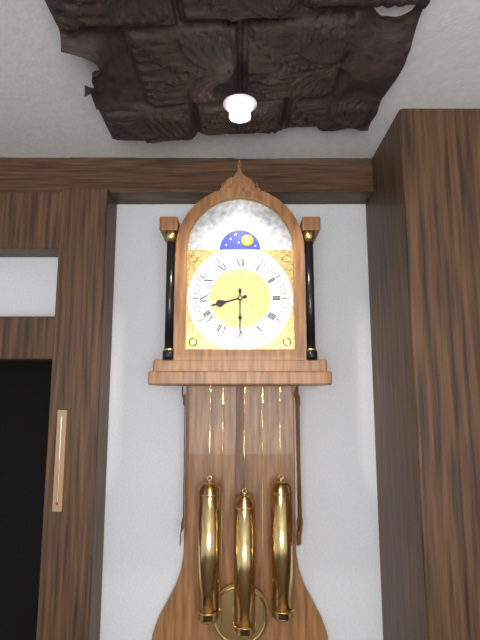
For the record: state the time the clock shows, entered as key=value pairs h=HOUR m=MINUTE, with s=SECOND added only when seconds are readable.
h=8 m=30
